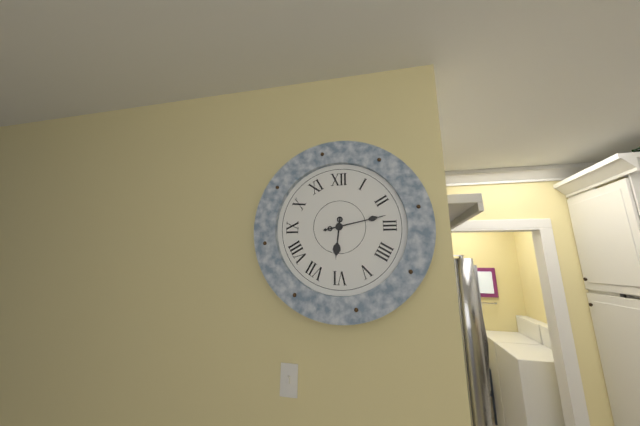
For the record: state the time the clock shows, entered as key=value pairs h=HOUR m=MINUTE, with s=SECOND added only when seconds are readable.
h=6 m=13
